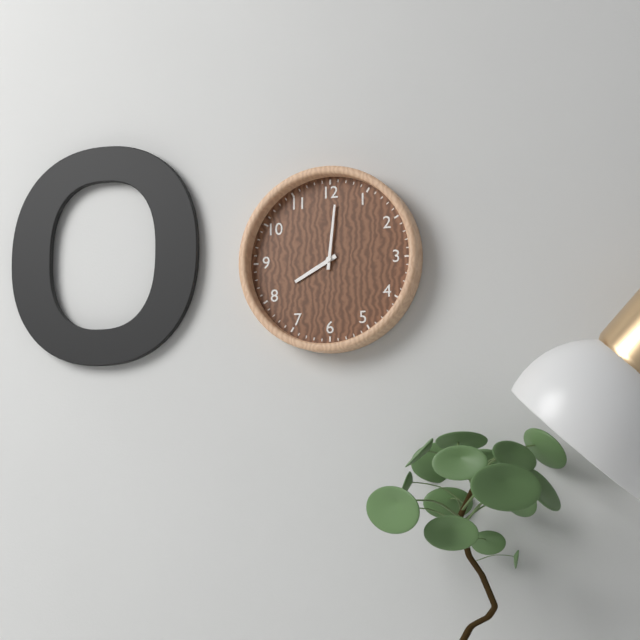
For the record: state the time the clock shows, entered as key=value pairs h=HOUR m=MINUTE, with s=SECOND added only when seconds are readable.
h=8 m=1
